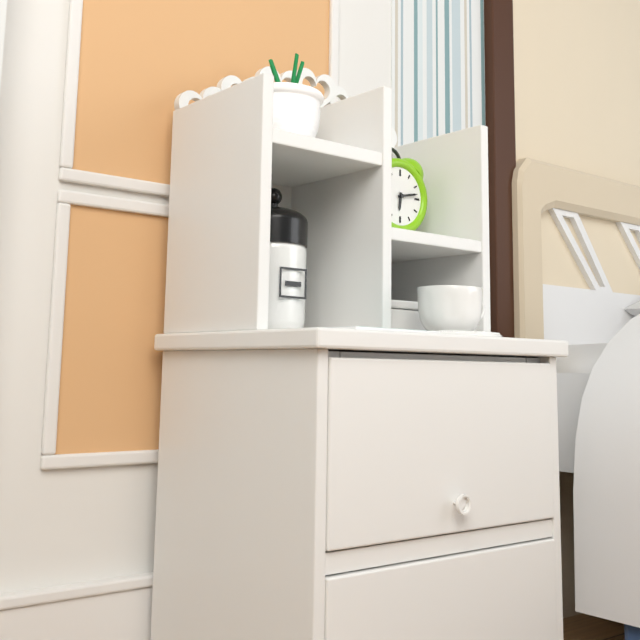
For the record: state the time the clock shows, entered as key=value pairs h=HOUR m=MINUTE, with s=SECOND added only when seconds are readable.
h=6 m=13
